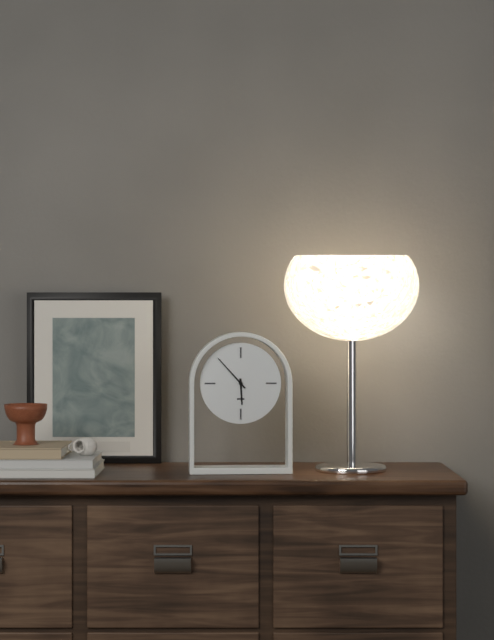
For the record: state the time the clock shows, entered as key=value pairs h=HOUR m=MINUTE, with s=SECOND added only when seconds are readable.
h=5 m=53
